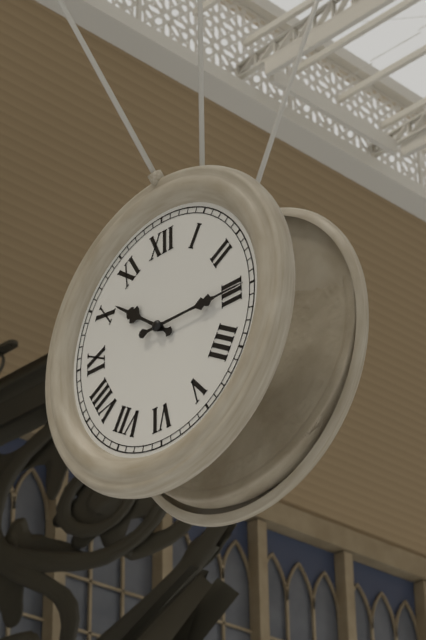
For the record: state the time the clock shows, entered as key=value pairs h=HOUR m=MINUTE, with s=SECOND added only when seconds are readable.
h=10 m=15
